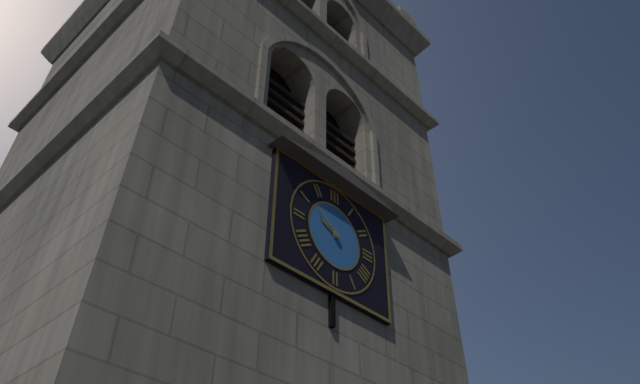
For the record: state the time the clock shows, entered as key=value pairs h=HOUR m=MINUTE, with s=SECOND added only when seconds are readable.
h=9 m=51
